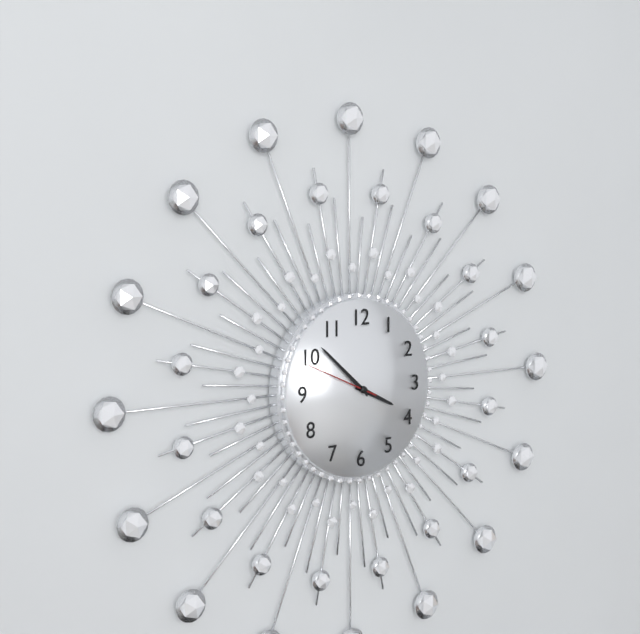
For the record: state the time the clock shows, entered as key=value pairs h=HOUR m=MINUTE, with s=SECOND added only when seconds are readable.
h=3 m=52 s=49
